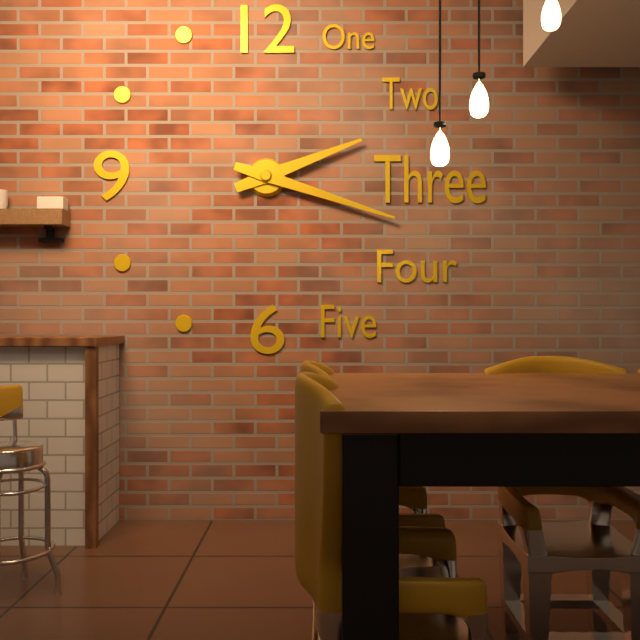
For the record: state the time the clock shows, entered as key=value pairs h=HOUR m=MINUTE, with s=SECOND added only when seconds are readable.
h=2 m=18
